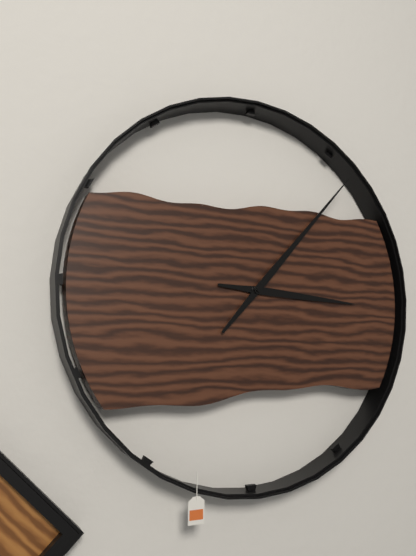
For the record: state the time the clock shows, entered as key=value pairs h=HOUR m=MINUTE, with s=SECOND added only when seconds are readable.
h=3 m=7
